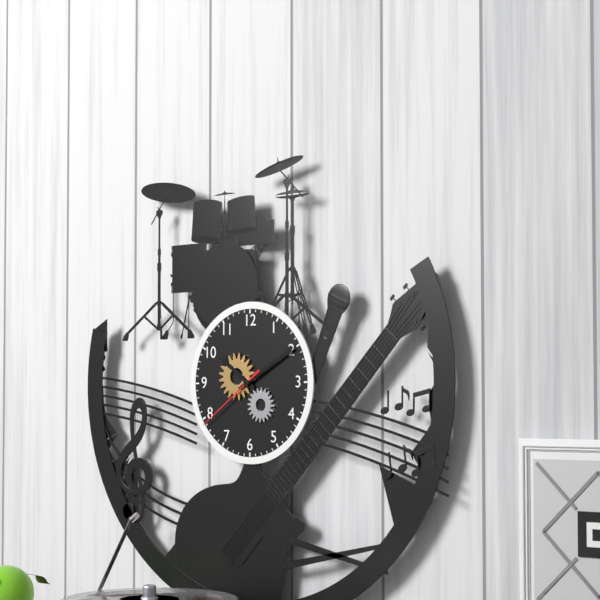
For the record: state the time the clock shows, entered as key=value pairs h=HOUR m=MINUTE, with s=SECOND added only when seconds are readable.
h=10 m=10 s=39
